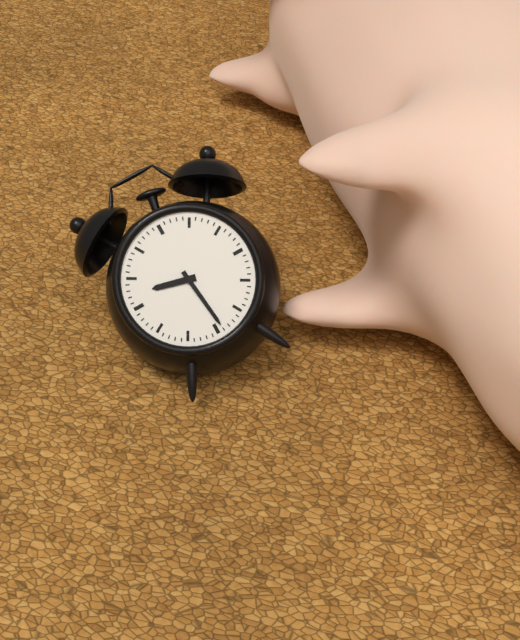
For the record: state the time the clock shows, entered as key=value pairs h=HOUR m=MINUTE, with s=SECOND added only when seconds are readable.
h=9 m=29
